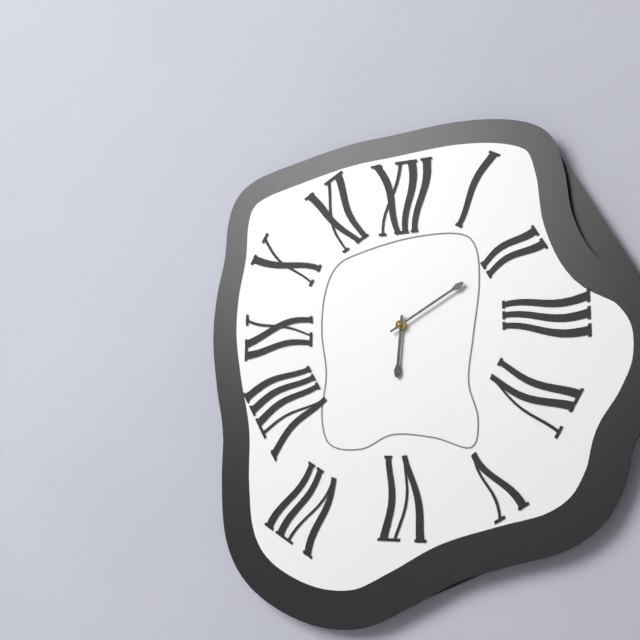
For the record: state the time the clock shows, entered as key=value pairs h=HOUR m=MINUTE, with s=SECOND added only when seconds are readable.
h=6 m=10
